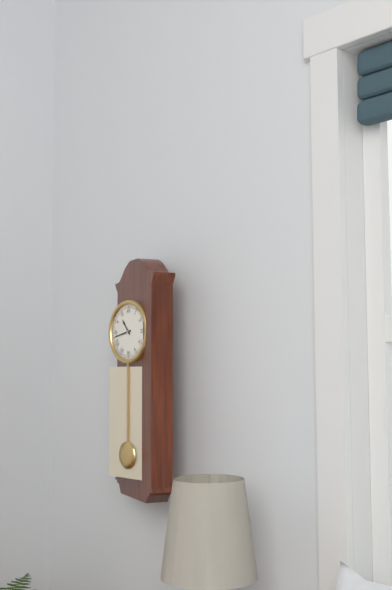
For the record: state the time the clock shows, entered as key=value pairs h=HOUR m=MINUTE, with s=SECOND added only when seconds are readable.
h=10 m=43
